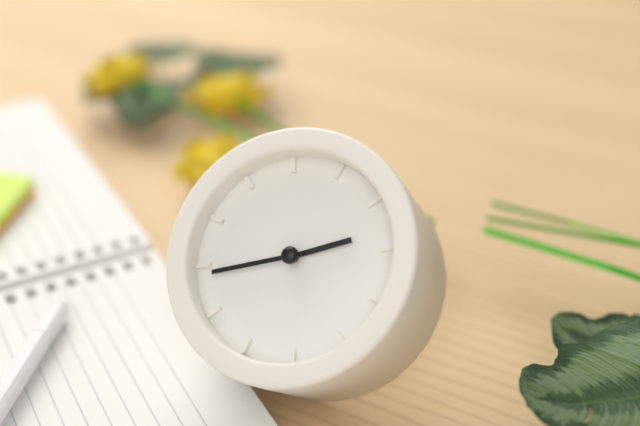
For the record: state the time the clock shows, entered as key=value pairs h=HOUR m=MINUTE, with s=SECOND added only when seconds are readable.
h=1 m=39
